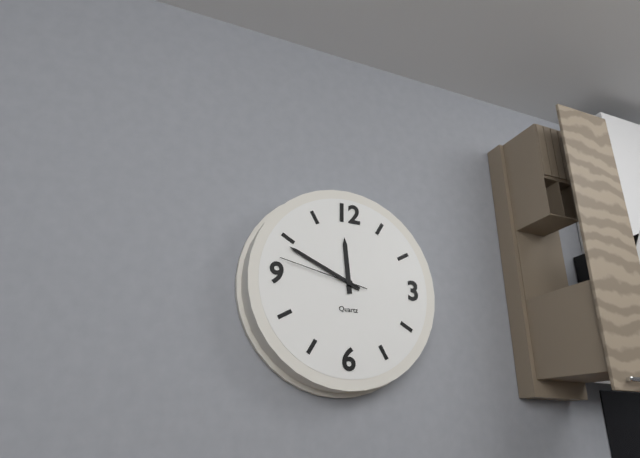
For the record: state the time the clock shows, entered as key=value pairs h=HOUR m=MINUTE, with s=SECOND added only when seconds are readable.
h=11 m=49 s=47
